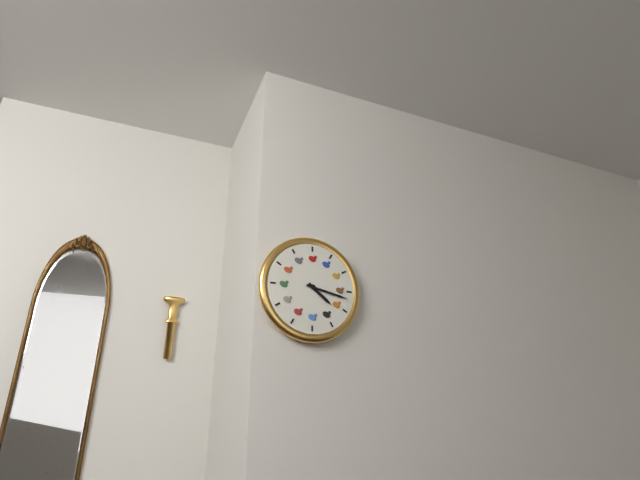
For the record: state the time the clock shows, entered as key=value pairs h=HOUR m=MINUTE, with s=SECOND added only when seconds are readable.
h=4 m=17
